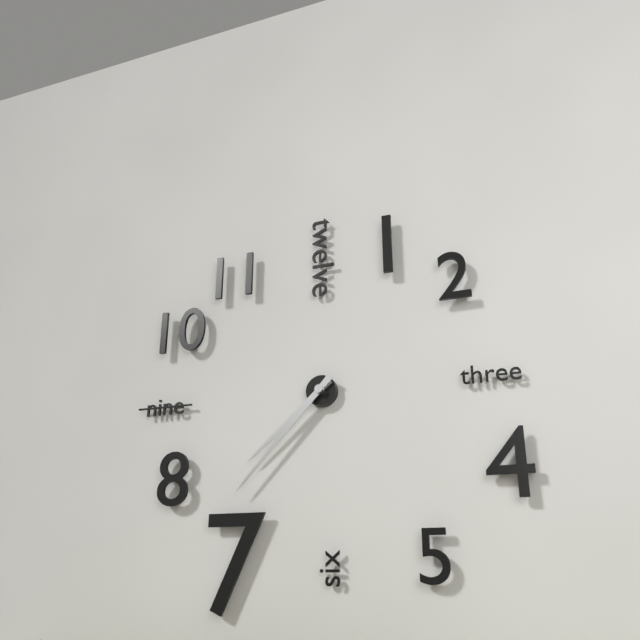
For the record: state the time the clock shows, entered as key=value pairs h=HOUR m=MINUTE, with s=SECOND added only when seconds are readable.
h=7 m=37
